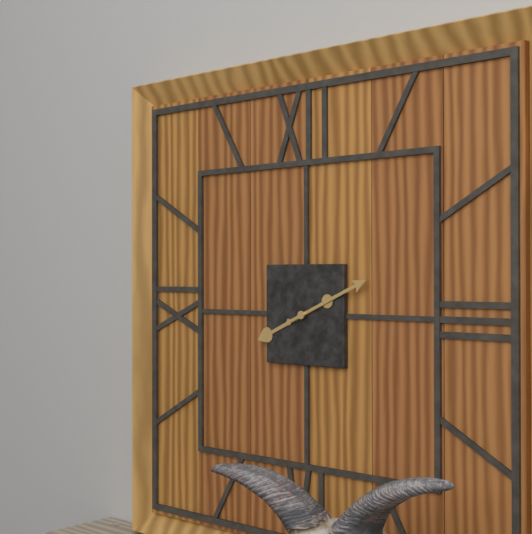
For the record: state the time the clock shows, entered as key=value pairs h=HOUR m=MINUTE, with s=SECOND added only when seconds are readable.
h=8 m=11
